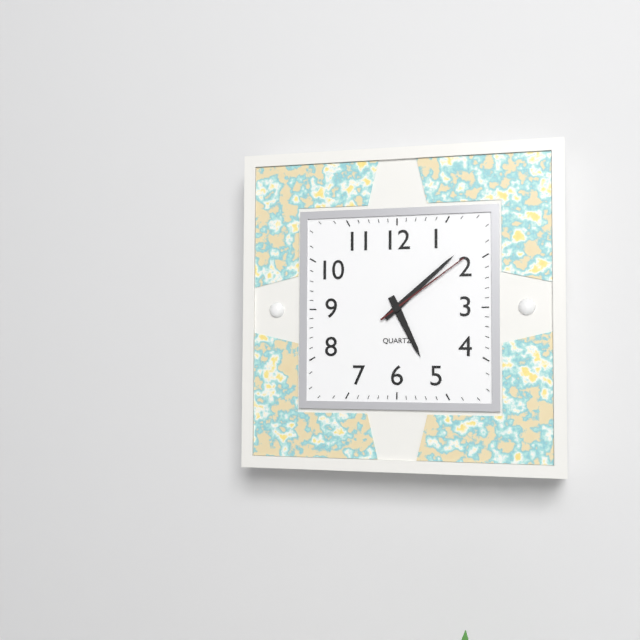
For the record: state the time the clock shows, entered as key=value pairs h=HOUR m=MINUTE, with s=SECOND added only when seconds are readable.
h=5 m=8 s=9
